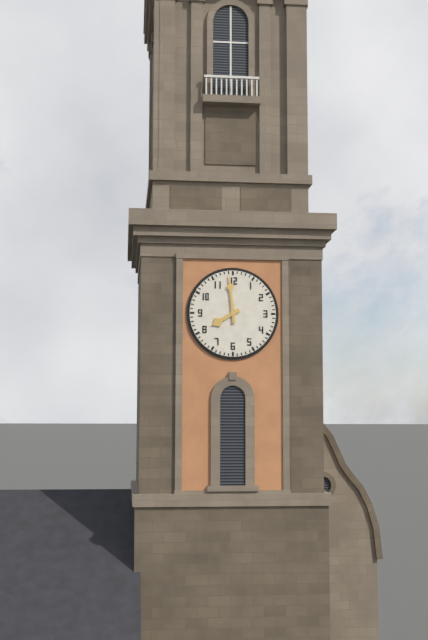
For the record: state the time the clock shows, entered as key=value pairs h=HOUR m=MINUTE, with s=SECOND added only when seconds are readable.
h=7 m=59
